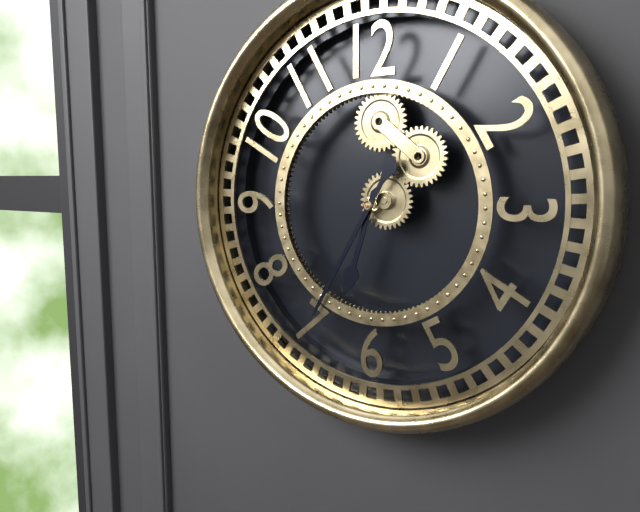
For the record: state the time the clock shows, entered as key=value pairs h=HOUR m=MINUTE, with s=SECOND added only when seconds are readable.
h=6 m=35
